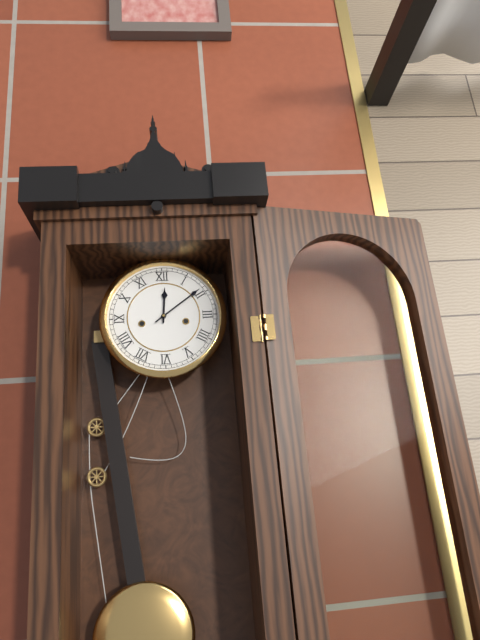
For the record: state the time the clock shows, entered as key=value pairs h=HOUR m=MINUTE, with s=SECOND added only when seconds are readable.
h=12 m=9
